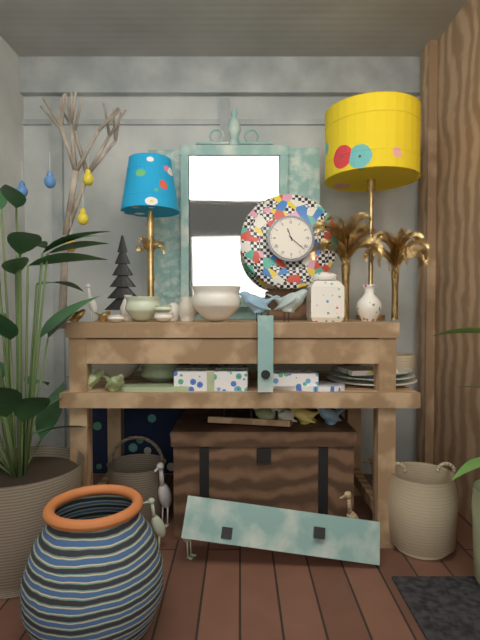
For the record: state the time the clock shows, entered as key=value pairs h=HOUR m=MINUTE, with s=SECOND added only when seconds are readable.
h=11 m=22
